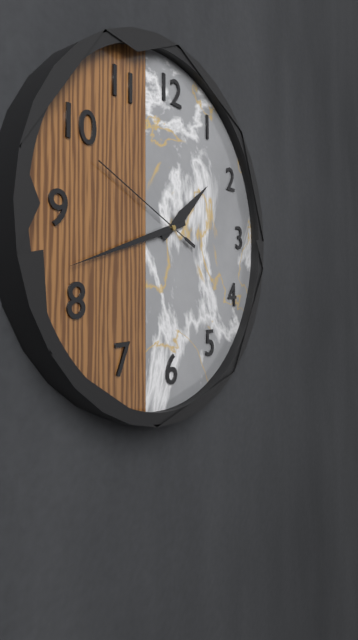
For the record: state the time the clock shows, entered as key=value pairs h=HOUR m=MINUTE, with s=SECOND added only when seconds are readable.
h=1 m=42 s=49
